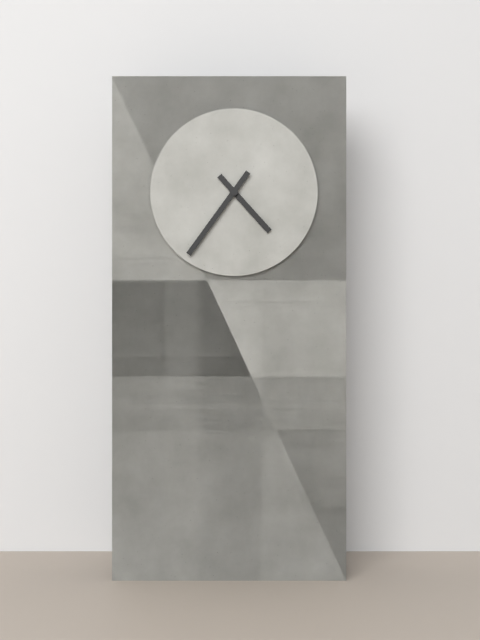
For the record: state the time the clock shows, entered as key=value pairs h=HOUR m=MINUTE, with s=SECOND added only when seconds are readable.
h=4 m=36
